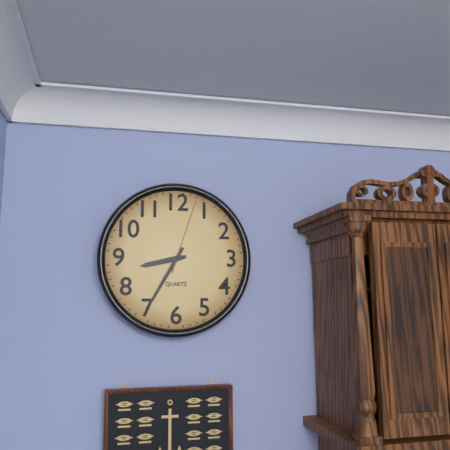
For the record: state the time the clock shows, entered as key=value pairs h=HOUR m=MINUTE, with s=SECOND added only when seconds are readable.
h=8 m=35 s=3
